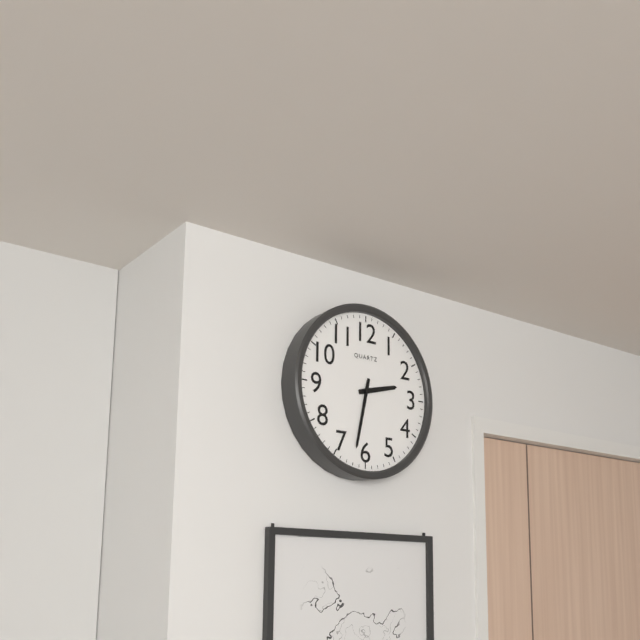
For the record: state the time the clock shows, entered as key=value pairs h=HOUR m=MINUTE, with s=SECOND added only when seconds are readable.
h=2 m=32
